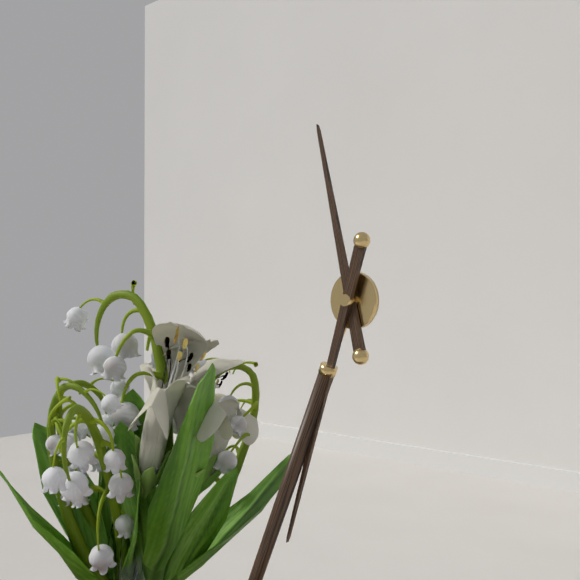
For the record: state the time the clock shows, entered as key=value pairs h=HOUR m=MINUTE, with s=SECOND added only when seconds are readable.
h=11 m=33
